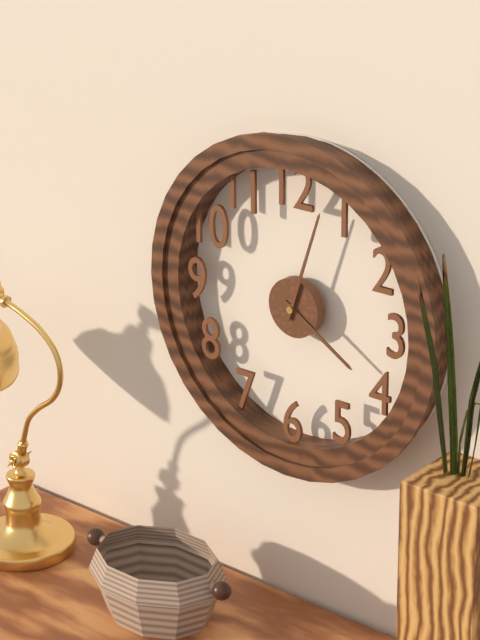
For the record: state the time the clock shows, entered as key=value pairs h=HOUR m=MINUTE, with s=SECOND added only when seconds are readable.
h=4 m=3
